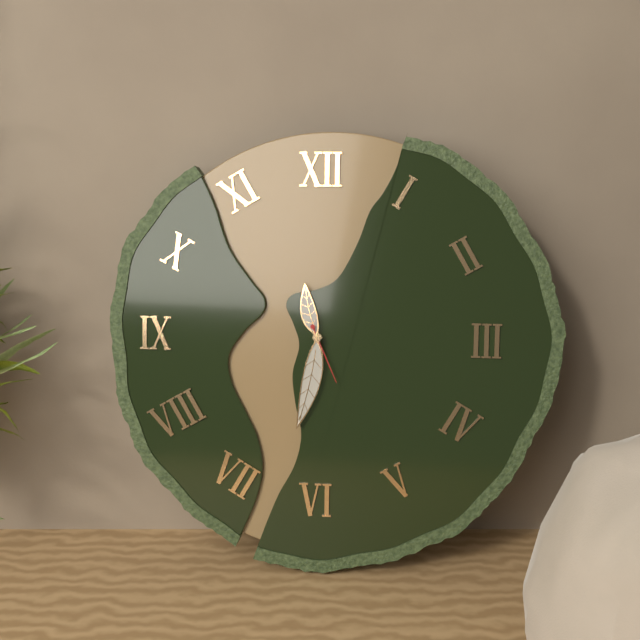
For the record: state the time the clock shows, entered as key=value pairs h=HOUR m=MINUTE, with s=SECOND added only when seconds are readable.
h=11 m=32 s=26
